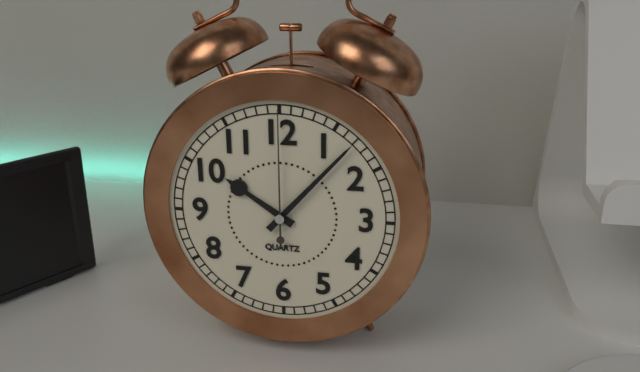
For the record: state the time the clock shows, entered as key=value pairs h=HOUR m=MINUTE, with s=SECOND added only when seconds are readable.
h=10 m=7 s=0
